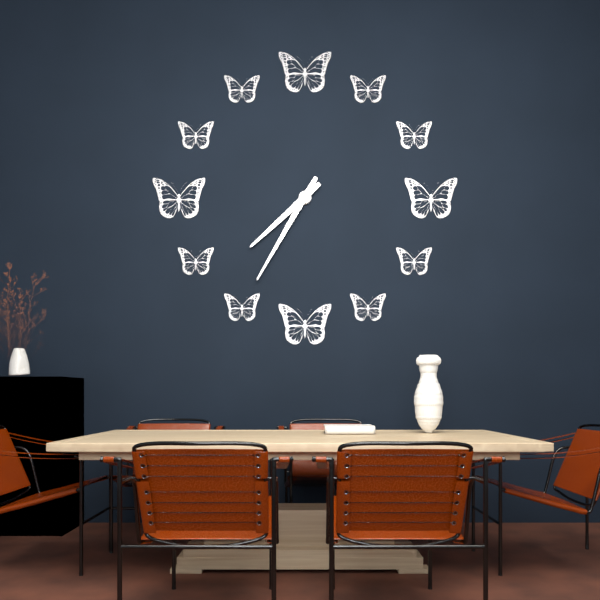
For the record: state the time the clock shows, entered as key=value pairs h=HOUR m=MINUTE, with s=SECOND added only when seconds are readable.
h=7 m=35
